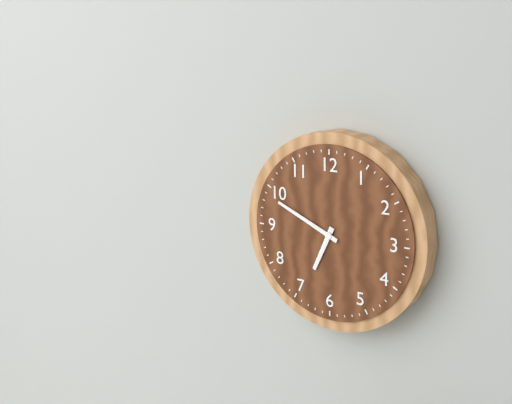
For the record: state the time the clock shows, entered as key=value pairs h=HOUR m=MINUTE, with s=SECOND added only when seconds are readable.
h=6 m=49
